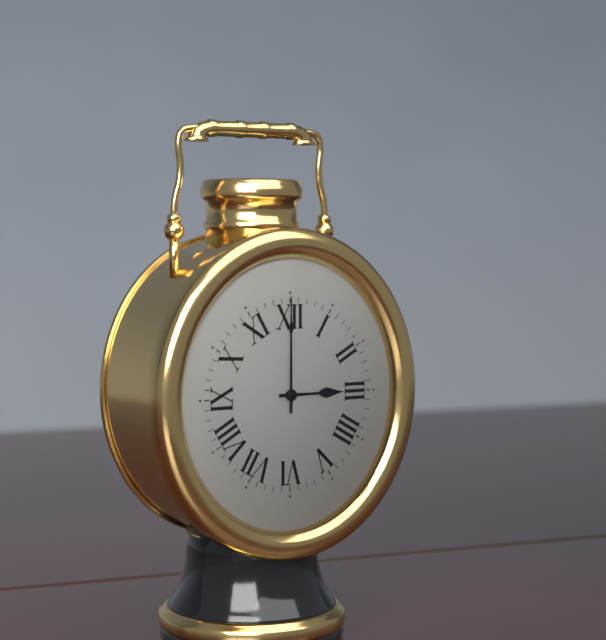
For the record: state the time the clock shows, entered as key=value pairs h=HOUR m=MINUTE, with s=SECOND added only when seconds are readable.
h=3 m=0
